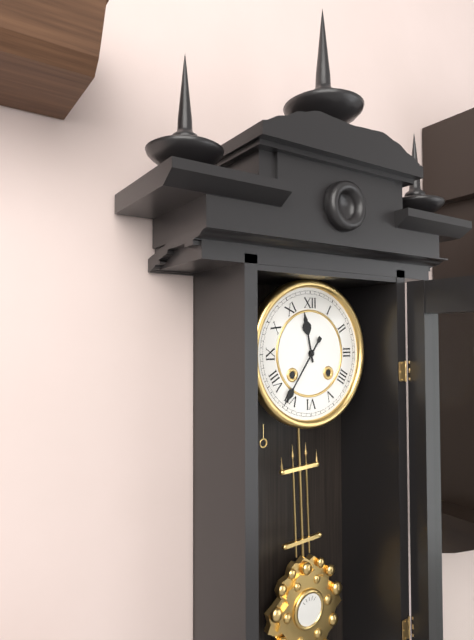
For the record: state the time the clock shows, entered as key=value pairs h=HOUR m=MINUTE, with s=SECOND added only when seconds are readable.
h=11 m=36
